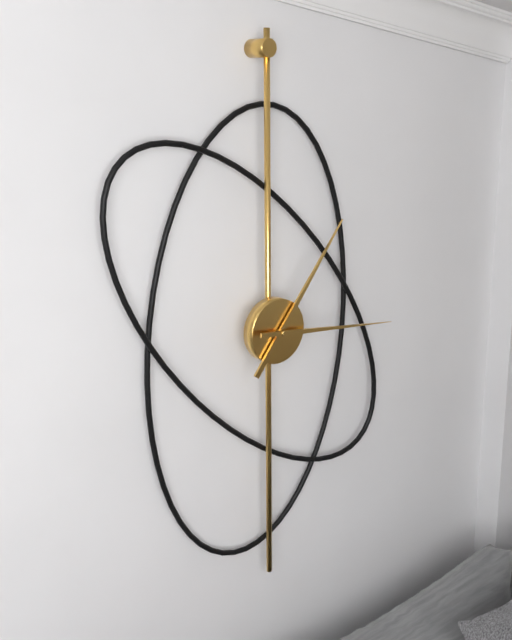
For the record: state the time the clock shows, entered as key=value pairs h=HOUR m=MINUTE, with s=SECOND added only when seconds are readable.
h=1 m=16
